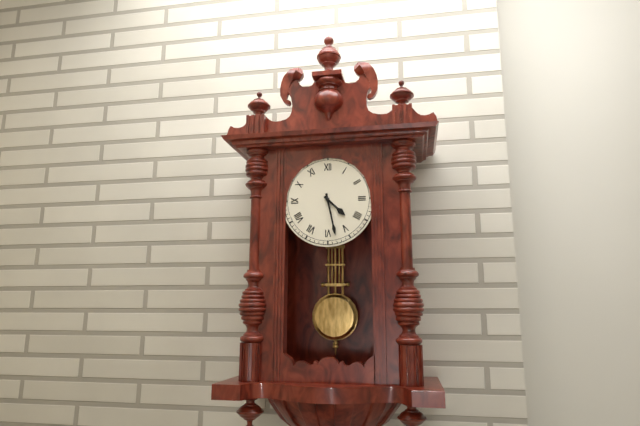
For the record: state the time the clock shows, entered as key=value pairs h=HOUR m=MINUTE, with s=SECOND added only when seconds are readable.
h=4 m=28
